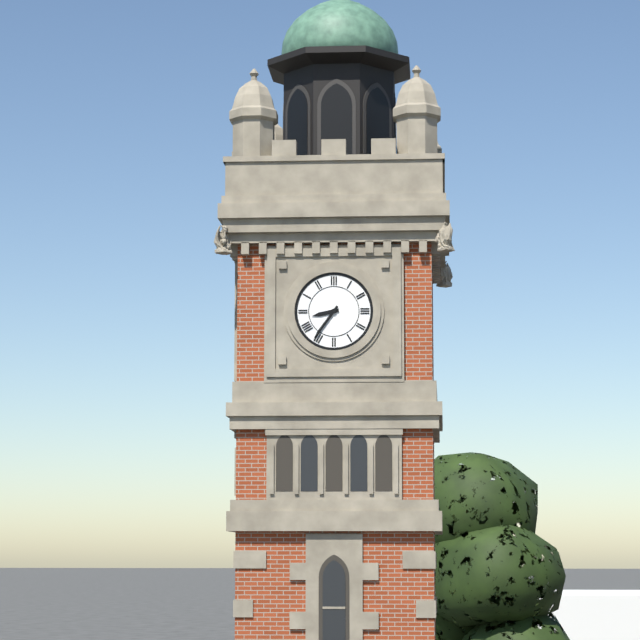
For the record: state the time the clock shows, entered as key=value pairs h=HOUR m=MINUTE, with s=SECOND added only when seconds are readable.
h=8 m=36
